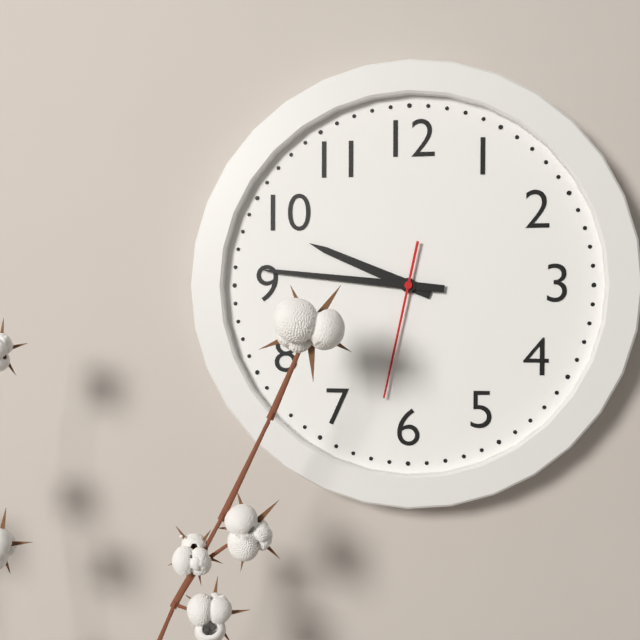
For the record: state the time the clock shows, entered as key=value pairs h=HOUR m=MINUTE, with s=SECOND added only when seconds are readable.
h=9 m=46 s=32
